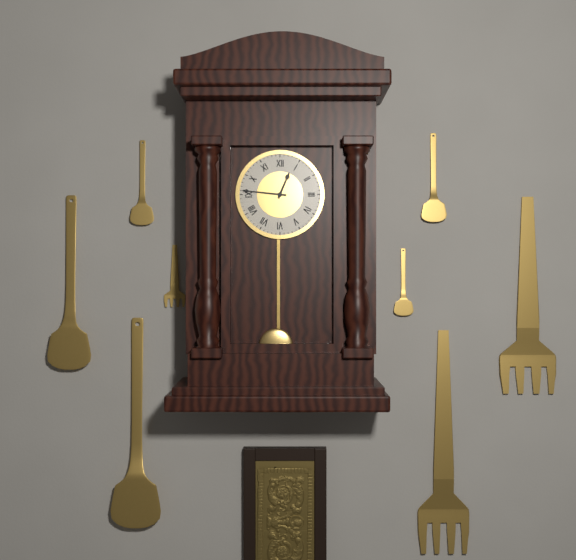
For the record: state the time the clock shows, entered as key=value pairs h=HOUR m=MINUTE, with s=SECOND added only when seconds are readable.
h=12 m=46
